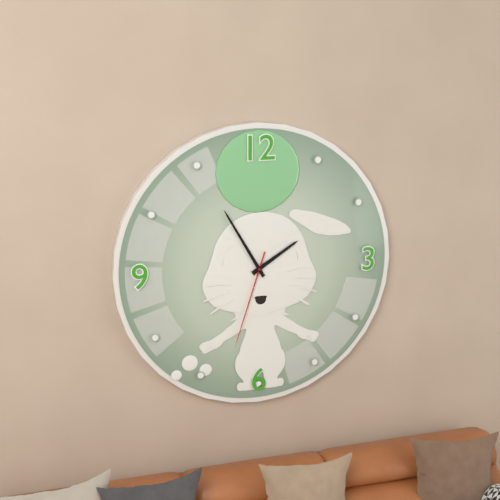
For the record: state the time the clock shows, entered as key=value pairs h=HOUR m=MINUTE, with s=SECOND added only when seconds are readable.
h=1 m=55 s=33
